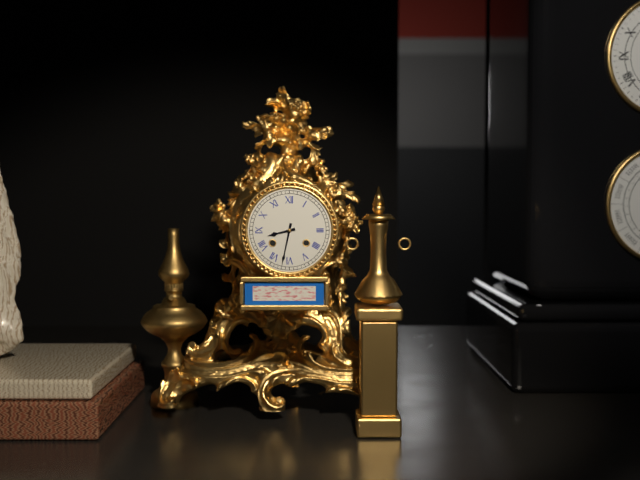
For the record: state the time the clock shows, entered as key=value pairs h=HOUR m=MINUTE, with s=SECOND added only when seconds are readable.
h=8 m=32
